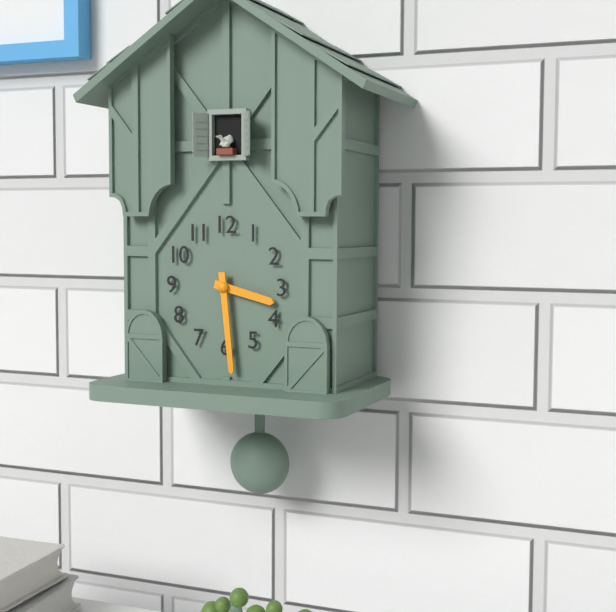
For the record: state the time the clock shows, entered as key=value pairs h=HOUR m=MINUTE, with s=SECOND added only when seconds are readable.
h=3 m=29
